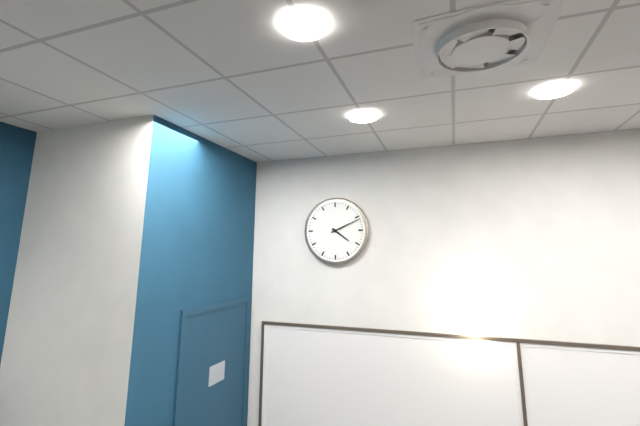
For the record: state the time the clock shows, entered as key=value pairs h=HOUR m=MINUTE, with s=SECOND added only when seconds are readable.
h=4 m=11
